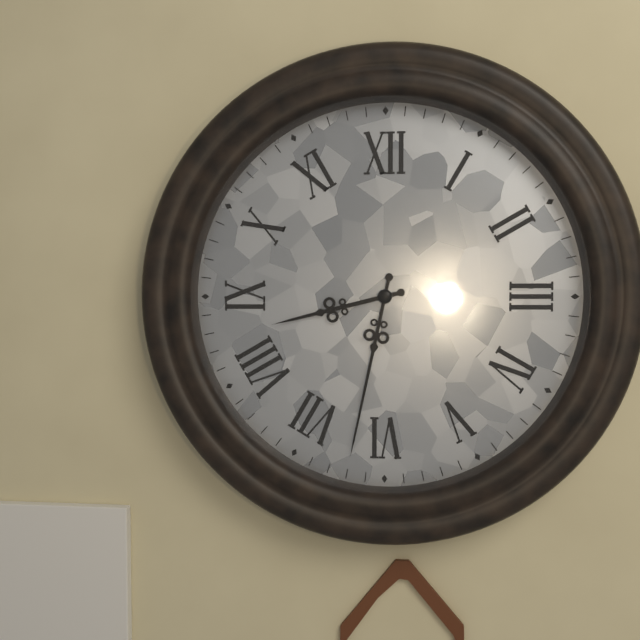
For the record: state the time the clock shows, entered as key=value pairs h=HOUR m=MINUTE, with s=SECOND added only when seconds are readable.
h=8 m=32
